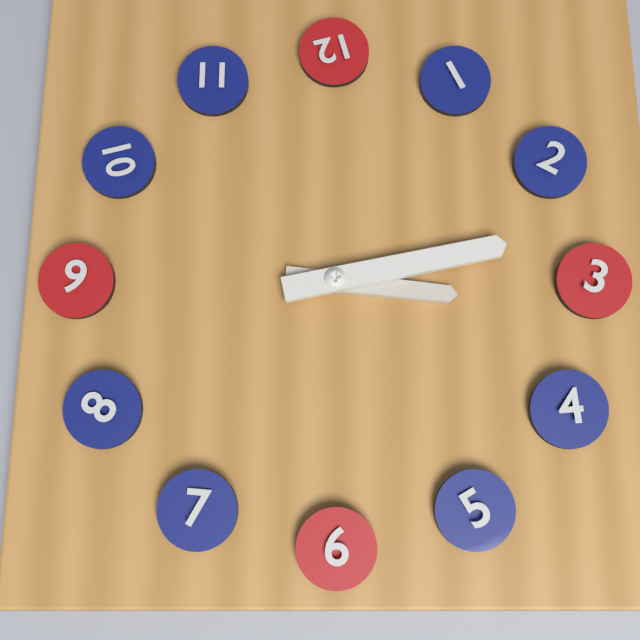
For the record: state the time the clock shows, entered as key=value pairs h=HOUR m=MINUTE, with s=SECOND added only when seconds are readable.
h=3 m=13
